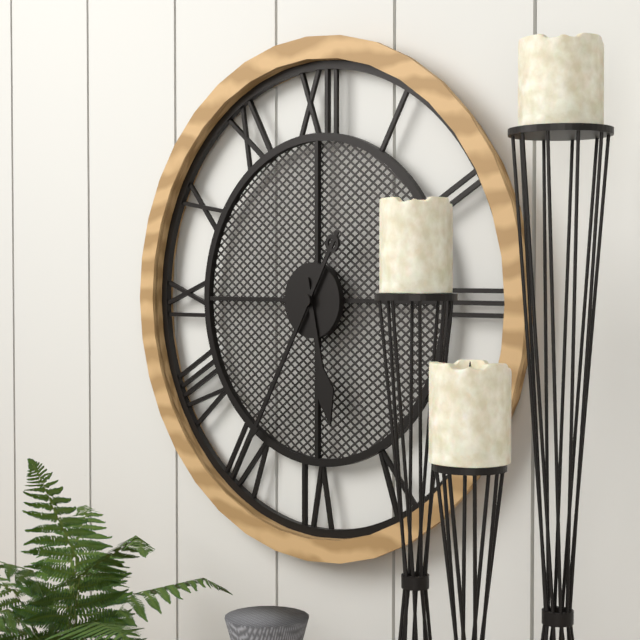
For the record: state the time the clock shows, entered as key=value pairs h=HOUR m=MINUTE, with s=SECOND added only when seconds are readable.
h=5 m=35
